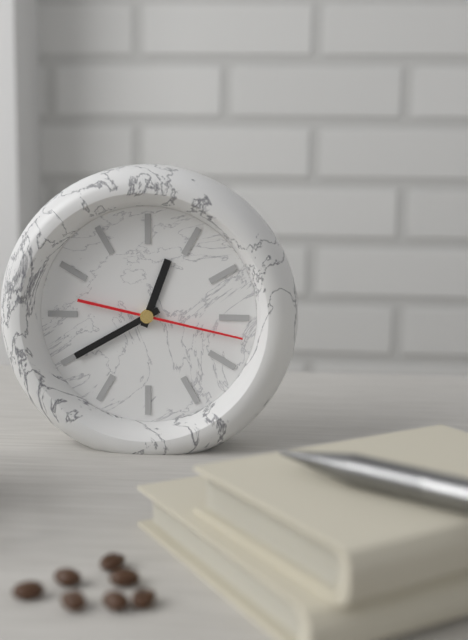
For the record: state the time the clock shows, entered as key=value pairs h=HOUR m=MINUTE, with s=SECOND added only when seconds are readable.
h=12 m=40 s=17
